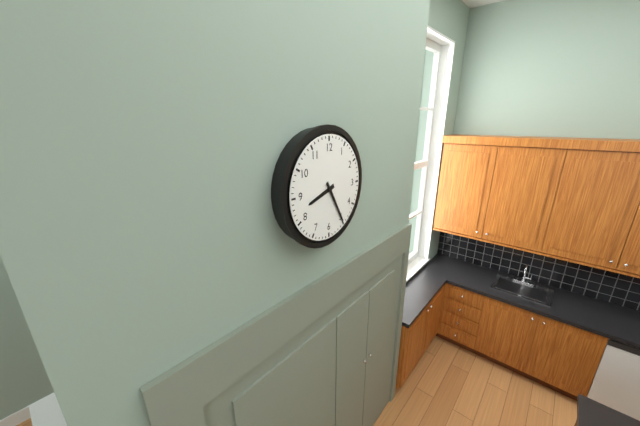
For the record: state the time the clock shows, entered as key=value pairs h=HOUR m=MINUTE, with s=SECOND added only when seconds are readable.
h=8 m=25
